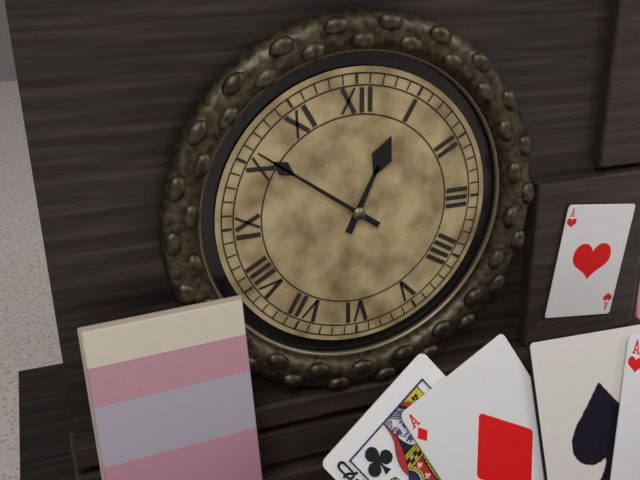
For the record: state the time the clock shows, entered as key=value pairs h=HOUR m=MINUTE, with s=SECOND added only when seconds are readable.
h=12 m=51
